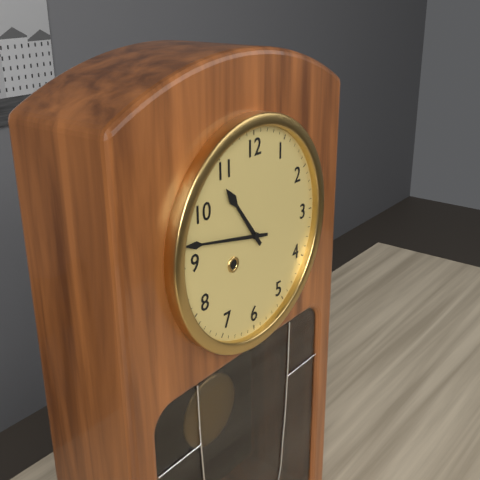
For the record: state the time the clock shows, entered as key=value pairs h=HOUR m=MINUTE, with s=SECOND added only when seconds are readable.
h=10 m=47
